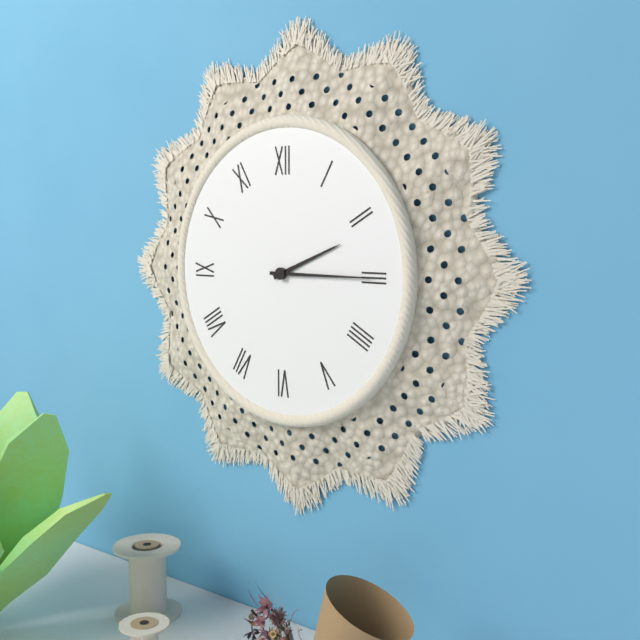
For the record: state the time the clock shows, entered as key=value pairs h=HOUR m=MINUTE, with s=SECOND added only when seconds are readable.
h=2 m=15
